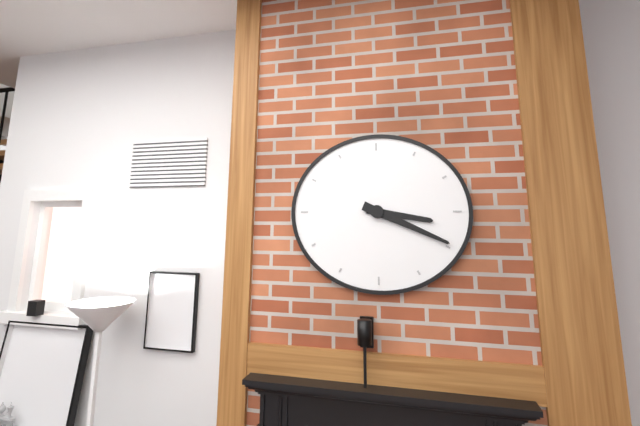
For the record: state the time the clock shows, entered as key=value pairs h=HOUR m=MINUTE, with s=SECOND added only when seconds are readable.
h=3 m=19
